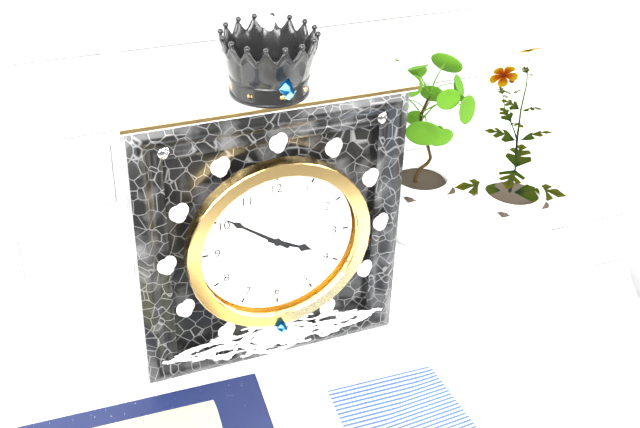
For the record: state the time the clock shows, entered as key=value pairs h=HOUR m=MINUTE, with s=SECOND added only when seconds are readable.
h=3 m=51
